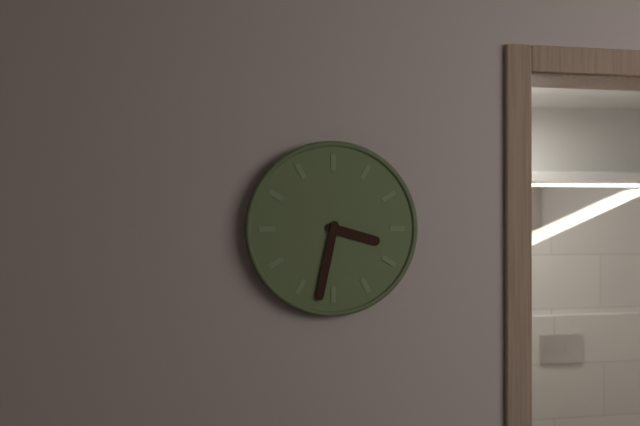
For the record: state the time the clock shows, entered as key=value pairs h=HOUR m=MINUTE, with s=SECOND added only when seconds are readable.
h=3 m=32
